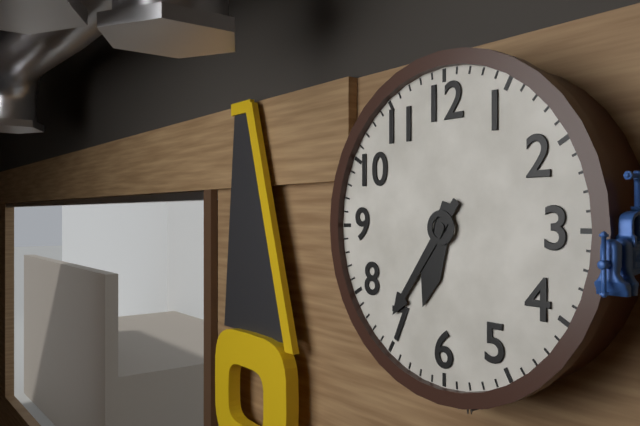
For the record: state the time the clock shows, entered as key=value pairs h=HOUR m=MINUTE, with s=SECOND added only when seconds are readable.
h=6 m=36
